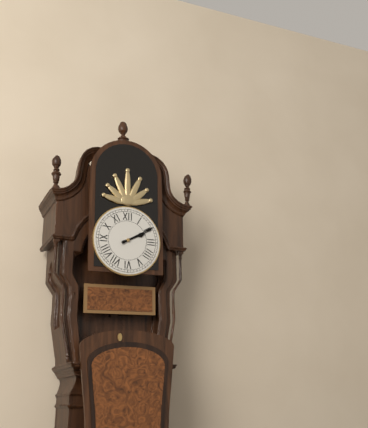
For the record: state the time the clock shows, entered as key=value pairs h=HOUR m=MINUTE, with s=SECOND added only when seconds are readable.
h=2 m=10
